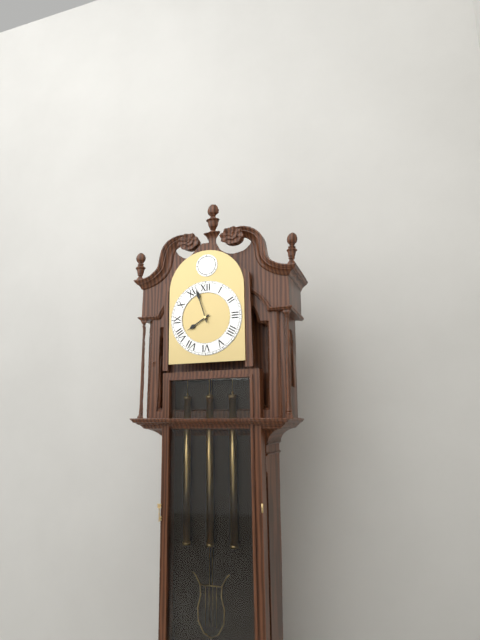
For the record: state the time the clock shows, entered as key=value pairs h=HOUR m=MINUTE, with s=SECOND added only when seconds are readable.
h=7 m=57
